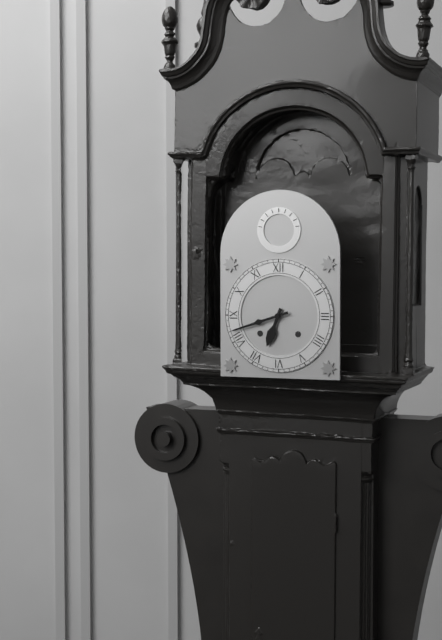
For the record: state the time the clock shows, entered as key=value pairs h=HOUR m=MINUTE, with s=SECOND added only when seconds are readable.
h=6 m=42
